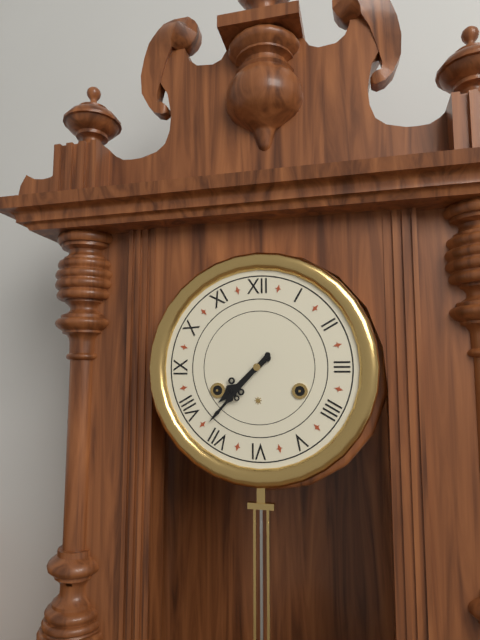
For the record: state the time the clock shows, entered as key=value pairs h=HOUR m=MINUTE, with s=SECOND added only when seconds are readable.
h=7 m=37
